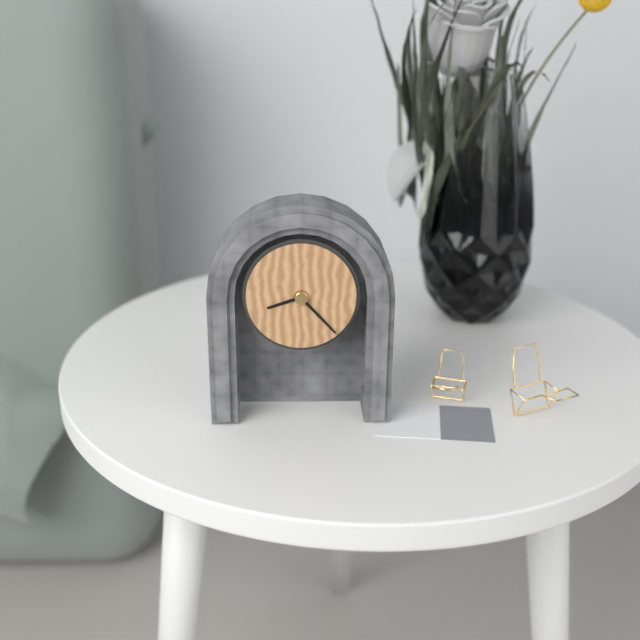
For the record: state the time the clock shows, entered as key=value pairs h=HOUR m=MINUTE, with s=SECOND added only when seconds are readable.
h=8 m=23
